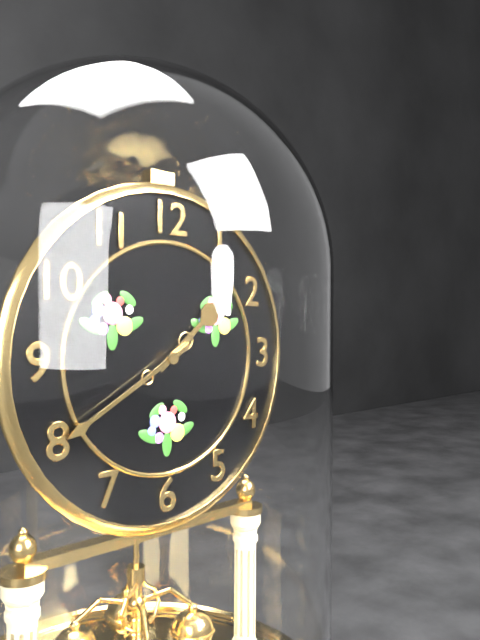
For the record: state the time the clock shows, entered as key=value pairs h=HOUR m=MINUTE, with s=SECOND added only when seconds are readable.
h=1 m=40
